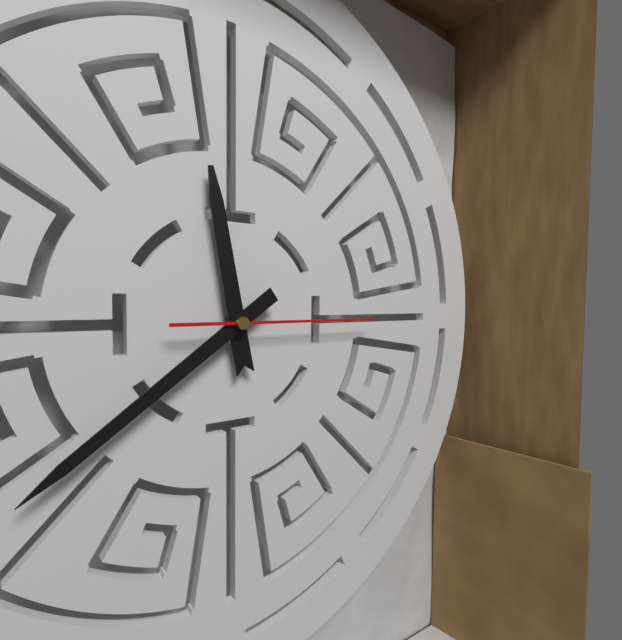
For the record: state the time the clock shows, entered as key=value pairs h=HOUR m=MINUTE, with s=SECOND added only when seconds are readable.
h=11 m=39 s=15
